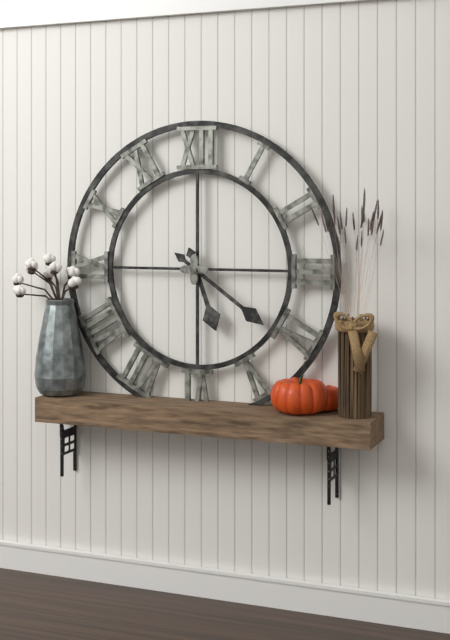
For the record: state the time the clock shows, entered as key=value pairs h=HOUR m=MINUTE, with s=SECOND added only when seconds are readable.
h=5 m=21
